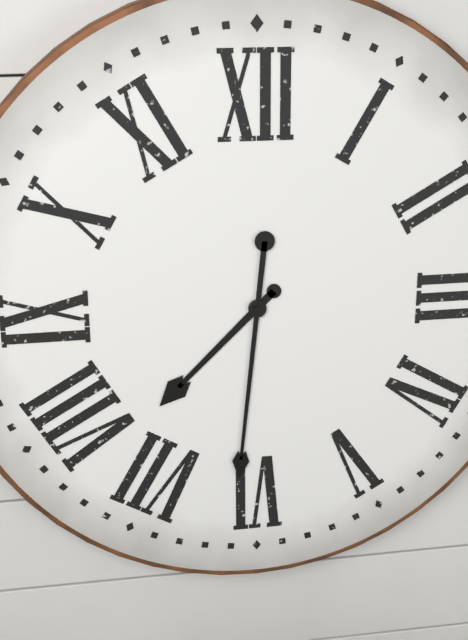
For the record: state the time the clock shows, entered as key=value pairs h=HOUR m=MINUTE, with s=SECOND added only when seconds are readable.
h=7 m=31
